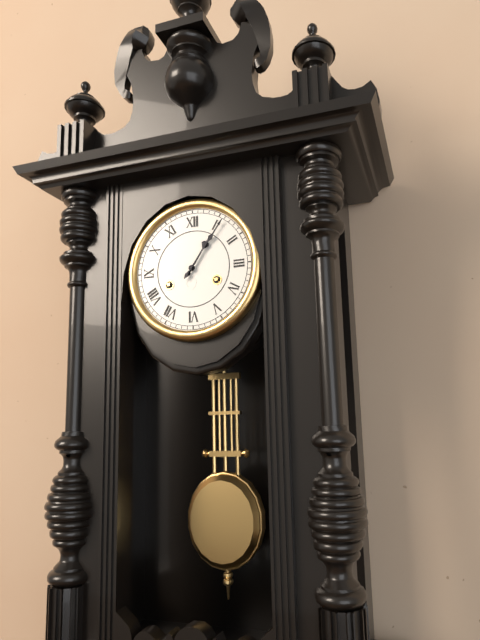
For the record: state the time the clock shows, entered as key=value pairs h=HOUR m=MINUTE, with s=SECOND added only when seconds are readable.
h=1 m=6
